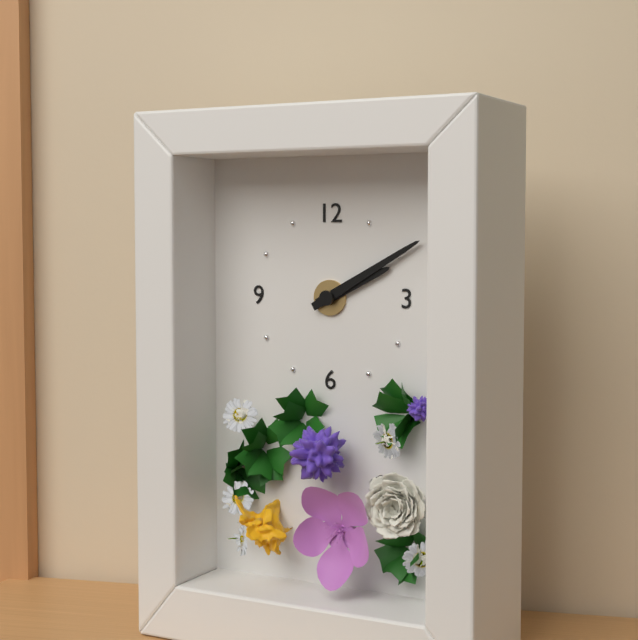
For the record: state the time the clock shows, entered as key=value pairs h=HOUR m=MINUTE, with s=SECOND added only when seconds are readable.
h=2 m=10
